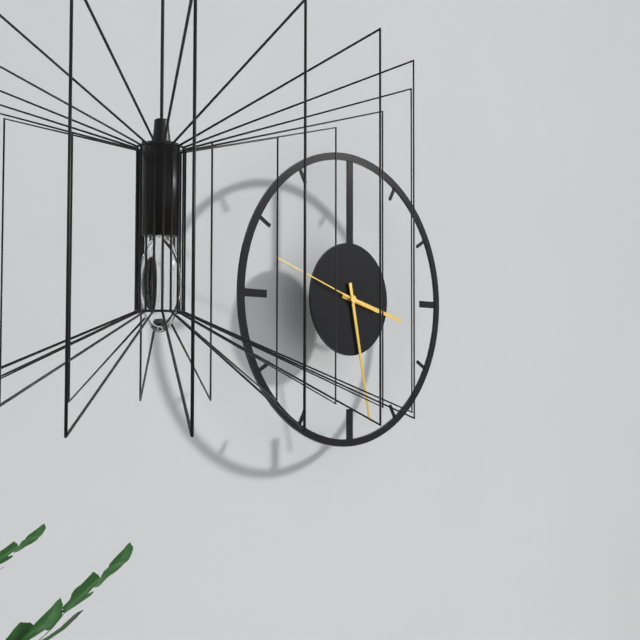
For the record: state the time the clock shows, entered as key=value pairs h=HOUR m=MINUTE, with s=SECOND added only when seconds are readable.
h=3 m=28 s=48
